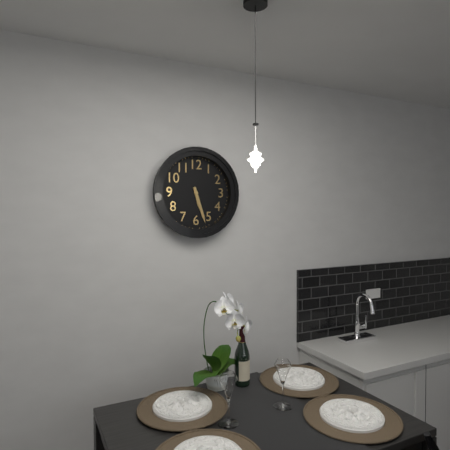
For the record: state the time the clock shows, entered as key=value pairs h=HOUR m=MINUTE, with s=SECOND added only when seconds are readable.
h=5 m=27
